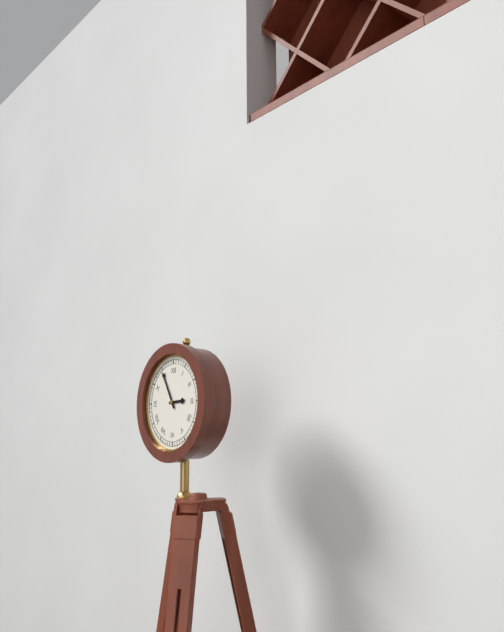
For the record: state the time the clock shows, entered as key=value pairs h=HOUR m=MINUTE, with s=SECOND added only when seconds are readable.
h=2 m=55
